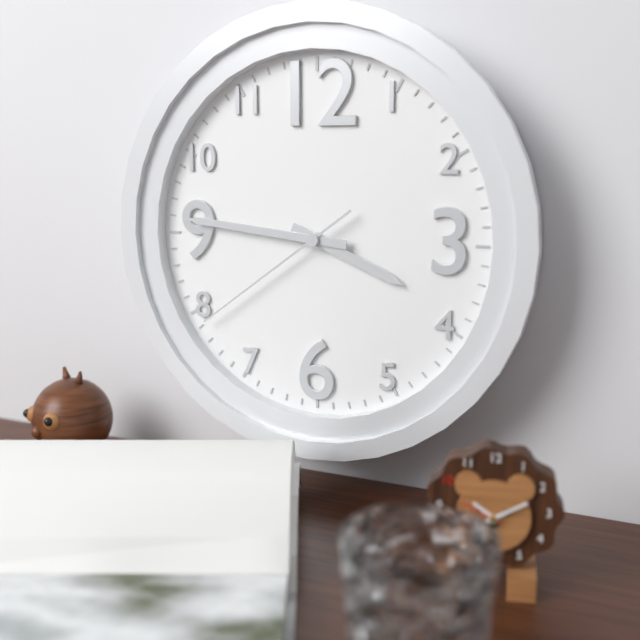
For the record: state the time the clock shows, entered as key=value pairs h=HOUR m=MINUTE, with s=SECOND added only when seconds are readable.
h=3 m=46 s=39
